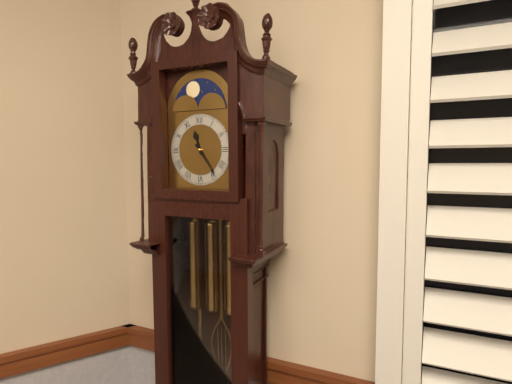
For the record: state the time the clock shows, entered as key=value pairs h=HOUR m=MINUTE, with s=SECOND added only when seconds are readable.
h=11 m=24
